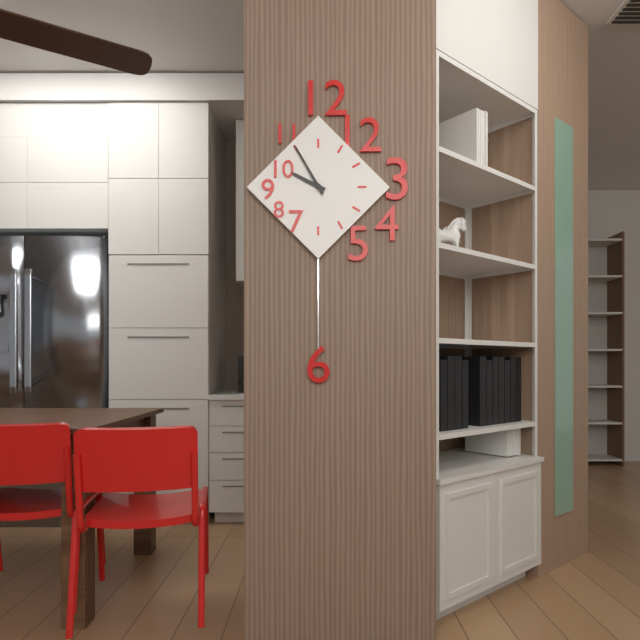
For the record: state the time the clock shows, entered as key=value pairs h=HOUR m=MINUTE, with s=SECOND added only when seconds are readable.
h=9 m=55
